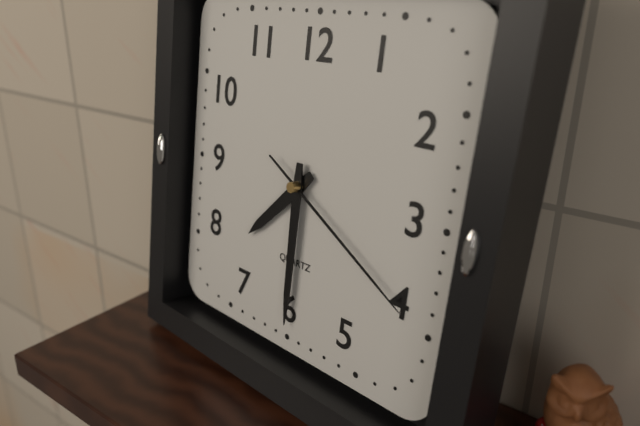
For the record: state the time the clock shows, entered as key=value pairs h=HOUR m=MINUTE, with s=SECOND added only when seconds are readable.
h=7 m=30 s=20
